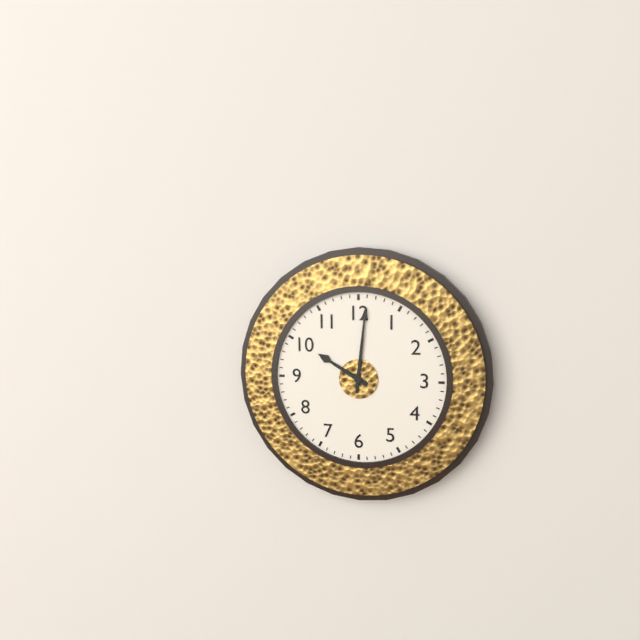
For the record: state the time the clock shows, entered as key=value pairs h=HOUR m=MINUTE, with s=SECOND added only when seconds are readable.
h=10 m=1
